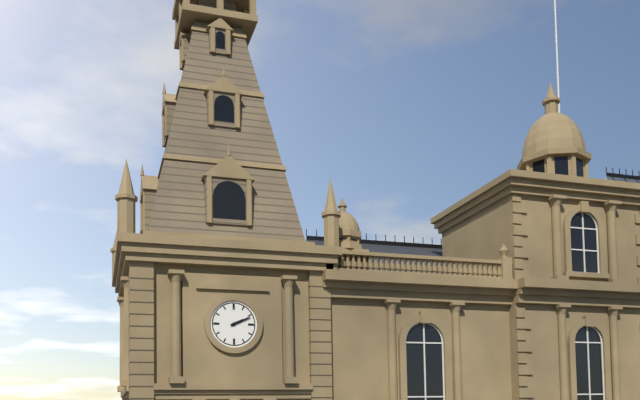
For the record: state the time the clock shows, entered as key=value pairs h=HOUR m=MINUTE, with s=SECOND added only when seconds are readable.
h=2 m=11
